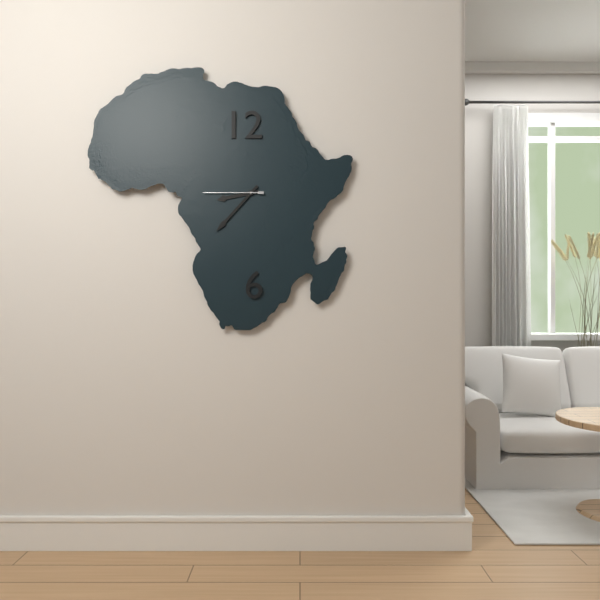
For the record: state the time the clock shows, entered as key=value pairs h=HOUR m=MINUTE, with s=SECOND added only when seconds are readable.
h=8 m=37 s=45
